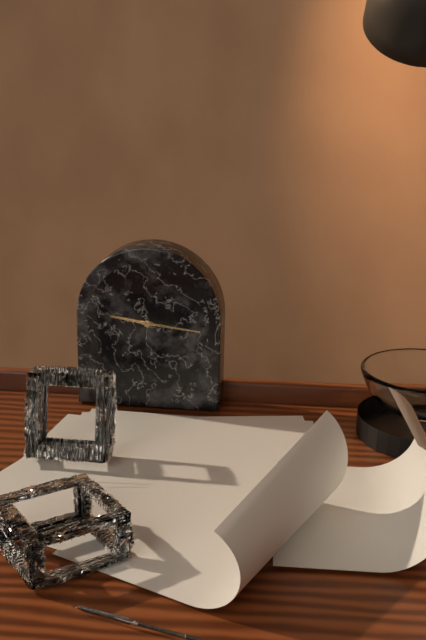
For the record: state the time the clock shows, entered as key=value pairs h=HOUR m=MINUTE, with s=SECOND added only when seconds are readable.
h=9 m=16
